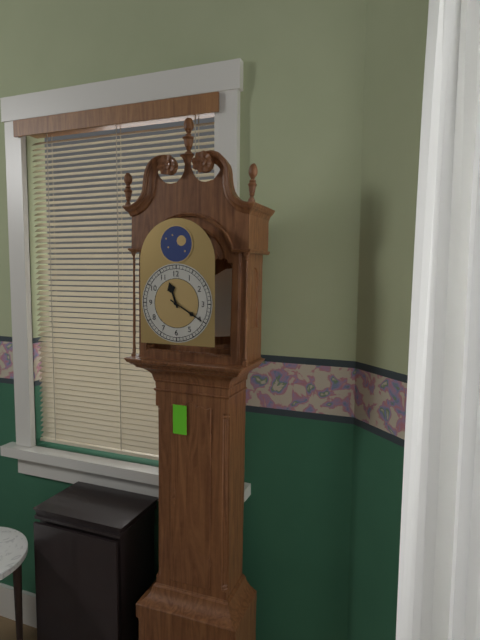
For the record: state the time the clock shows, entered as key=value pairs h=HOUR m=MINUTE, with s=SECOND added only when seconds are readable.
h=11 m=20
